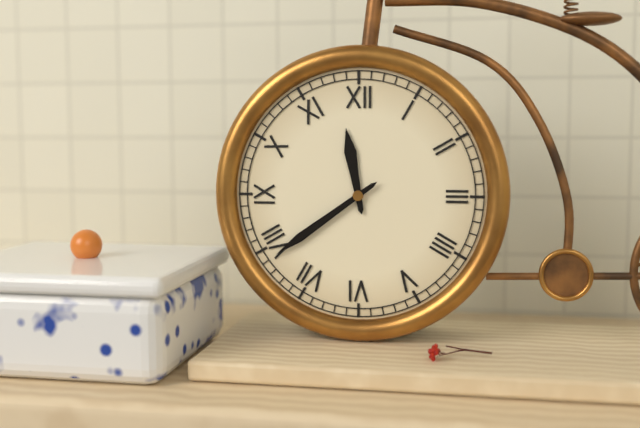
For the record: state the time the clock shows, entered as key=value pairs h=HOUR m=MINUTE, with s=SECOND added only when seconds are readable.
h=11 m=39
